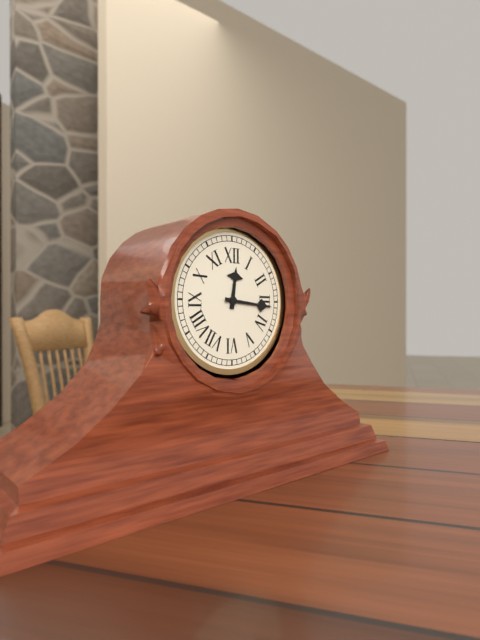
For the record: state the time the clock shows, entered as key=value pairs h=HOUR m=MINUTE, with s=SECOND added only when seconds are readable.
h=12 m=16
